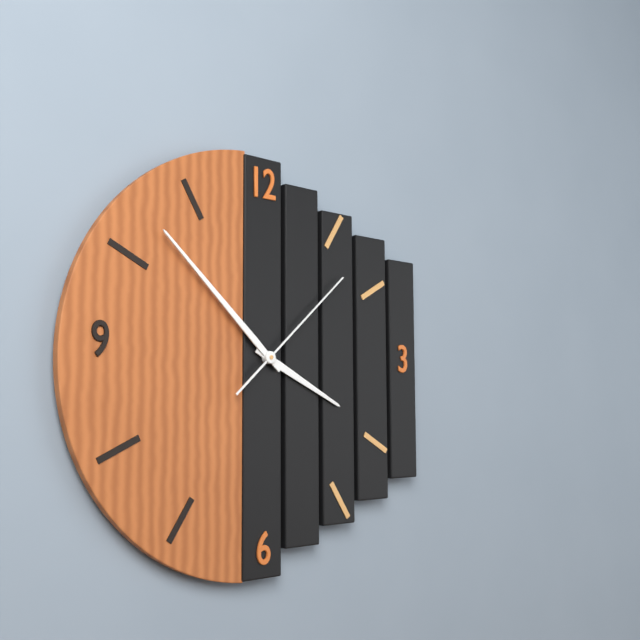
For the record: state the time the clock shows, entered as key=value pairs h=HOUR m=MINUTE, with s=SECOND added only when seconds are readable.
h=3 m=52 s=8
